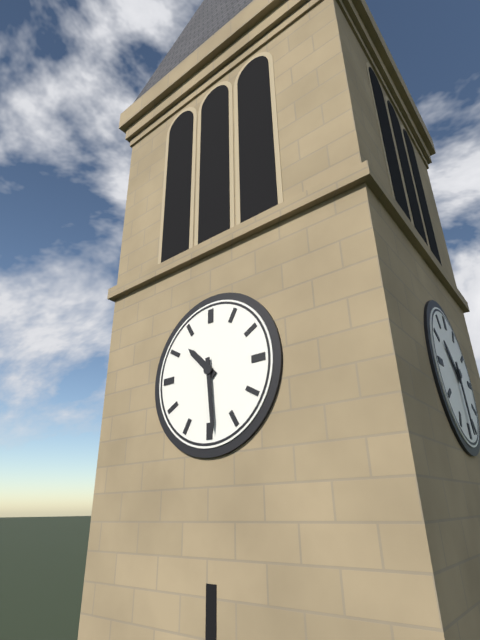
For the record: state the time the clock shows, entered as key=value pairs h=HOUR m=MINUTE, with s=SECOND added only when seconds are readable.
h=10 m=29
